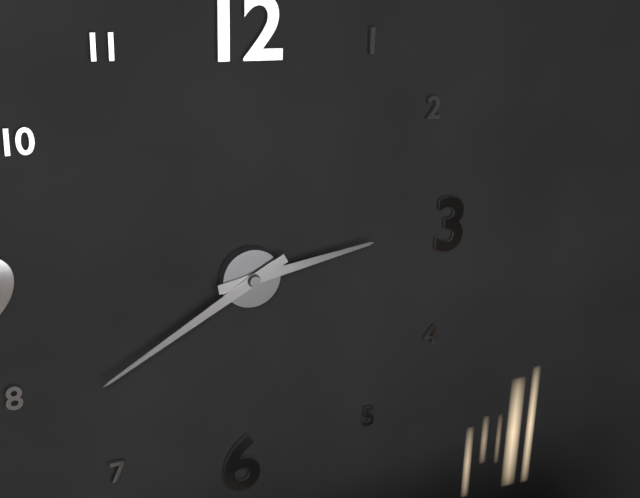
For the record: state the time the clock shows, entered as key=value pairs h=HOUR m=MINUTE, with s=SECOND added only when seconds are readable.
h=2 m=40
